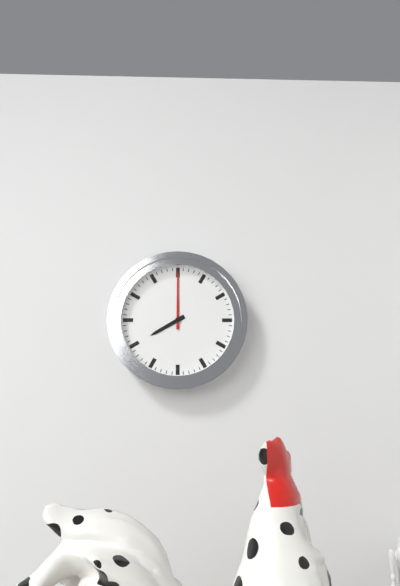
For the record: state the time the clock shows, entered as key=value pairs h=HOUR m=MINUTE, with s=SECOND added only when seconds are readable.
h=8 m=0
